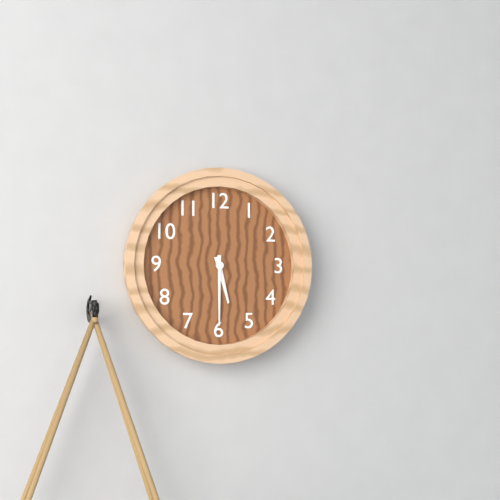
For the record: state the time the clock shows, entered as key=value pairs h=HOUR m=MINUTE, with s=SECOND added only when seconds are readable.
h=5 m=30
